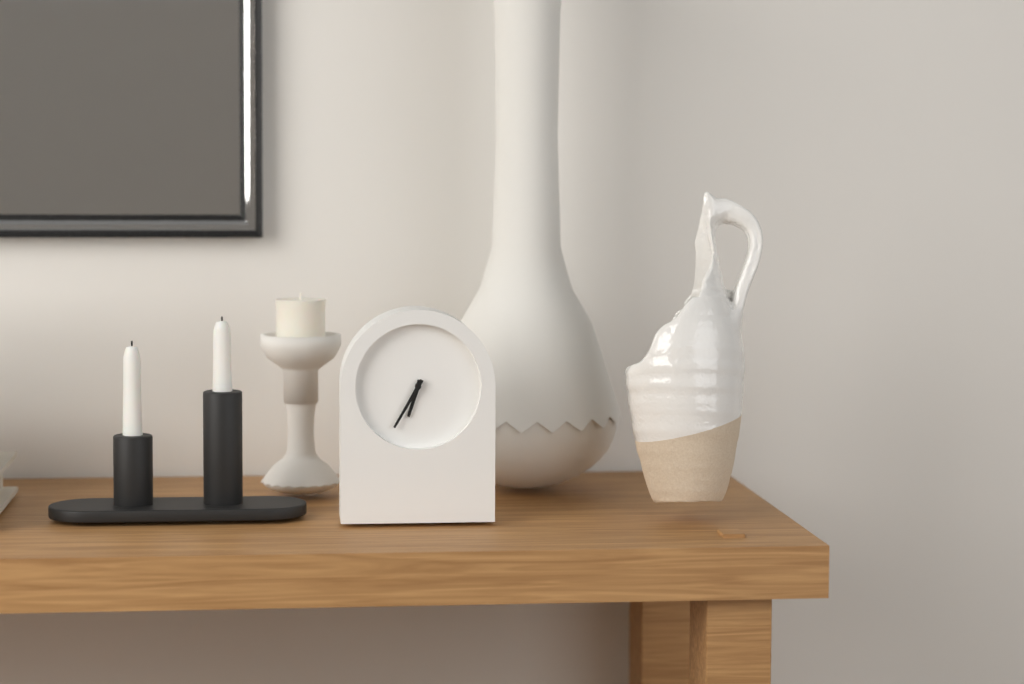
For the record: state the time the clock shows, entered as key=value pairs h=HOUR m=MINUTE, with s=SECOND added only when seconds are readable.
h=6 m=35
